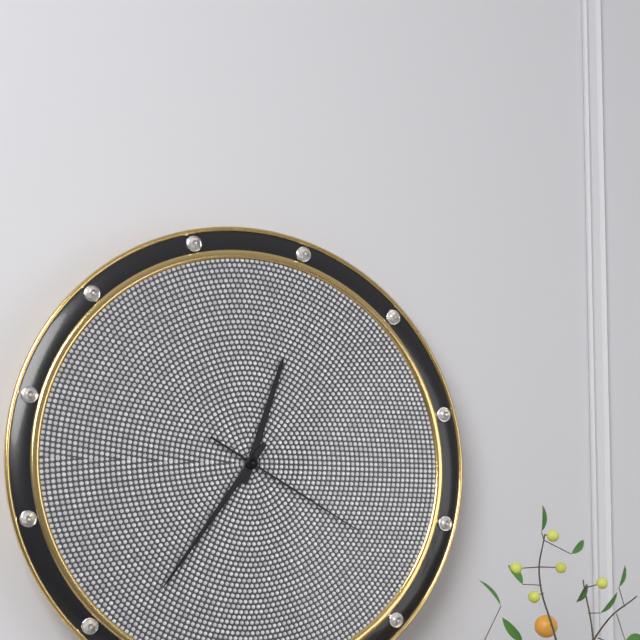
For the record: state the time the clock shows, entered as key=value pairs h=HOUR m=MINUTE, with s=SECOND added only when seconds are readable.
h=12 m=36 s=20
